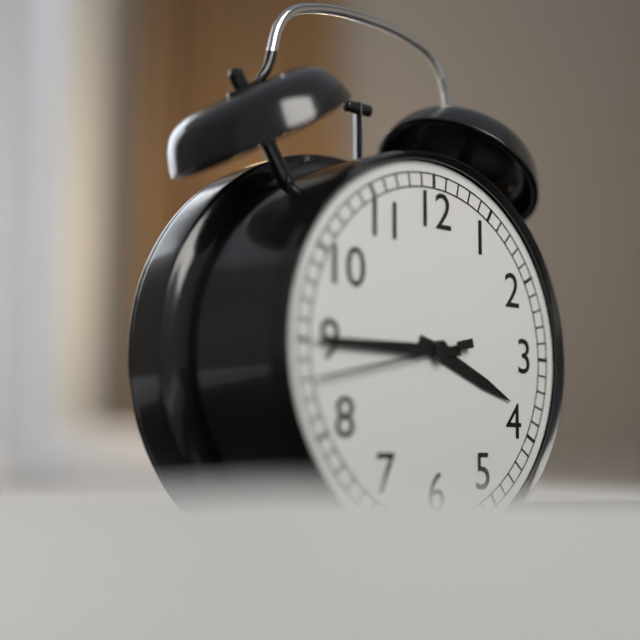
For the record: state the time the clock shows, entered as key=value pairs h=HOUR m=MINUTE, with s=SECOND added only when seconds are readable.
h=3 m=45 s=43
